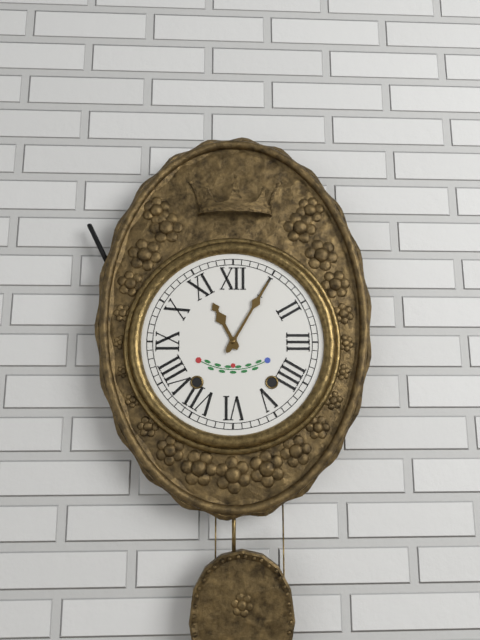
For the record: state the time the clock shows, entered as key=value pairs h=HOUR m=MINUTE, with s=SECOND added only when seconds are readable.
h=11 m=5
